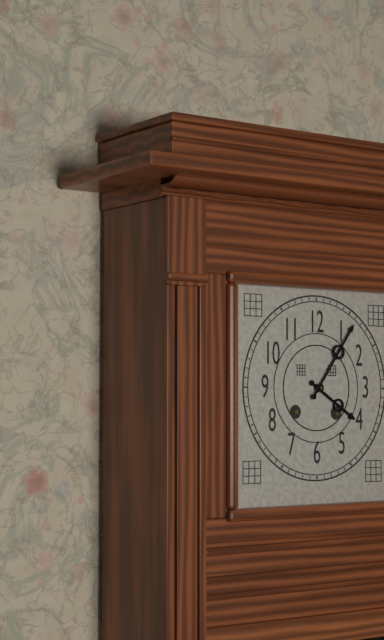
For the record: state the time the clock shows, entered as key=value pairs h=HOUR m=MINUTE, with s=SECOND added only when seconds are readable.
h=4 m=6
